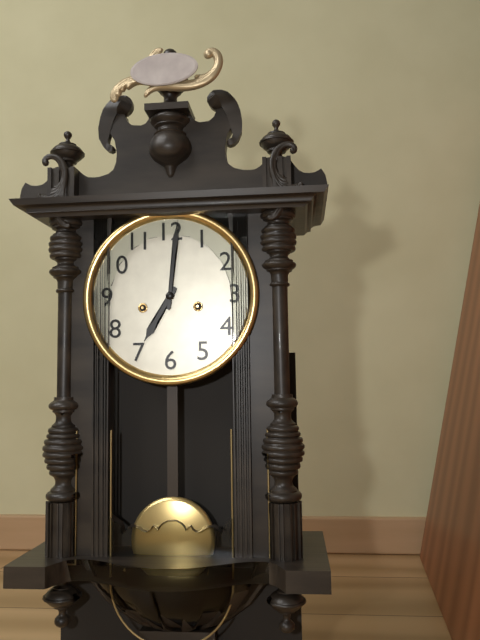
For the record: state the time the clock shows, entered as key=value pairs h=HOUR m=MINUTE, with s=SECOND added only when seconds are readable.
h=7 m=1
